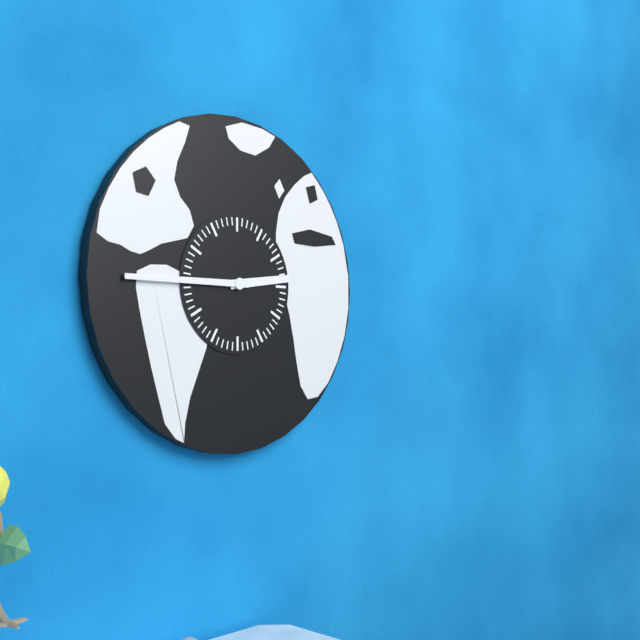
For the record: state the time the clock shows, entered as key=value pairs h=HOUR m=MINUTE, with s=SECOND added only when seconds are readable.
h=2 m=45
